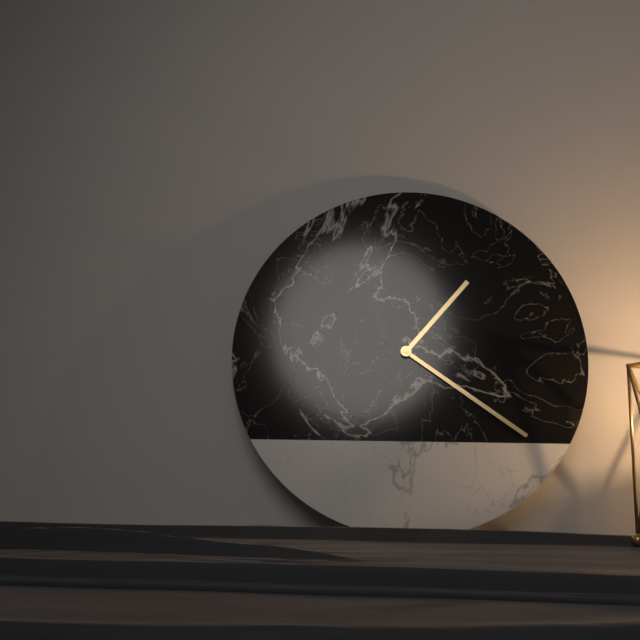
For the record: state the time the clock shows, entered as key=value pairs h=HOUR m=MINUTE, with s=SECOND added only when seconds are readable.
h=1 m=21
